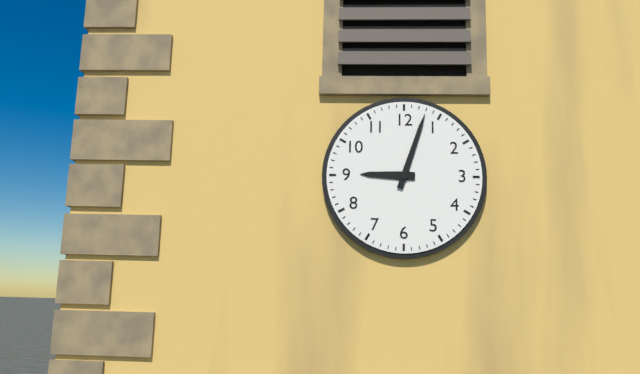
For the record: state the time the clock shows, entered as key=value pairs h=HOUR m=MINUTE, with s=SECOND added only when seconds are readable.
h=9 m=3
